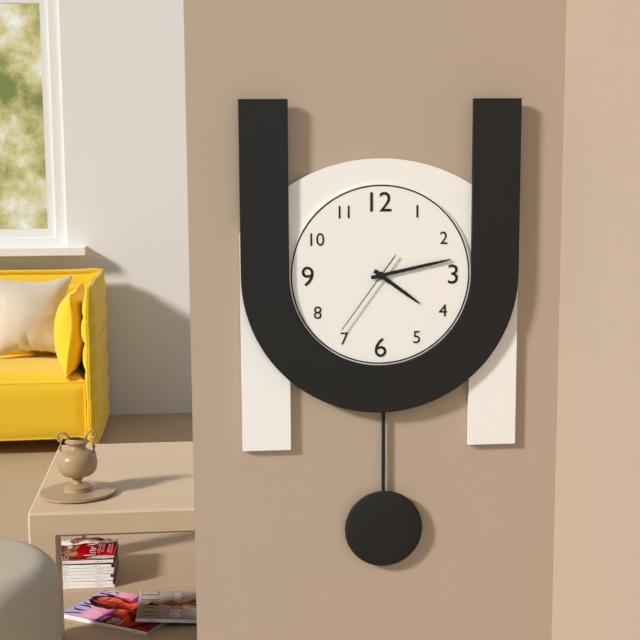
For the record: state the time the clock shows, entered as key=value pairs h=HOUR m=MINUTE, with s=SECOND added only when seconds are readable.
h=4 m=13 s=36
